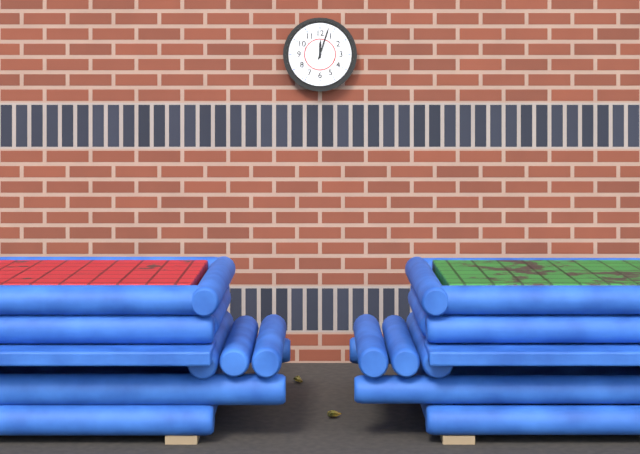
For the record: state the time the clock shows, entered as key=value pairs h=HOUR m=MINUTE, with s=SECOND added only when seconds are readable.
h=12 m=3
